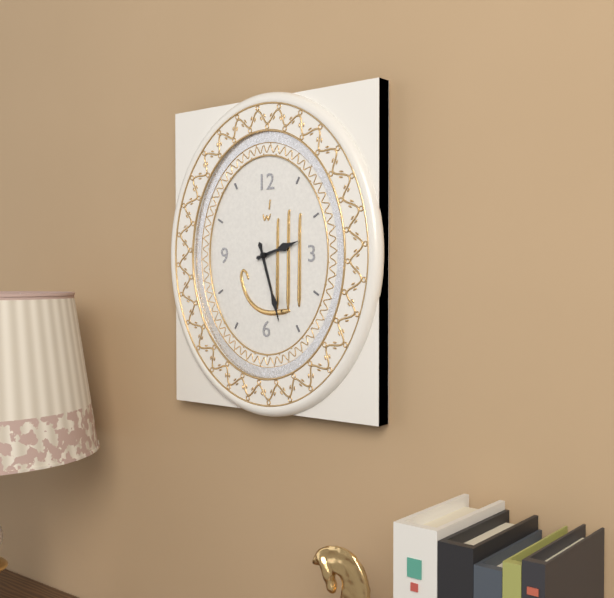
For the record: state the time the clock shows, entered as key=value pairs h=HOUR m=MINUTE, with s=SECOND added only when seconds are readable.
h=2 m=27
